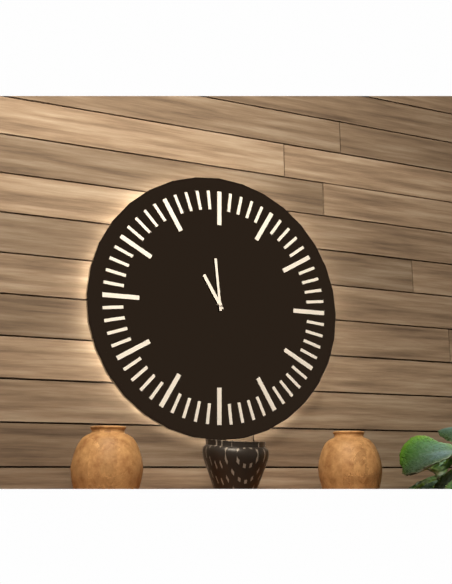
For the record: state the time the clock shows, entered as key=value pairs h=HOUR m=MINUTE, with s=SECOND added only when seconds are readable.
h=10 m=59
